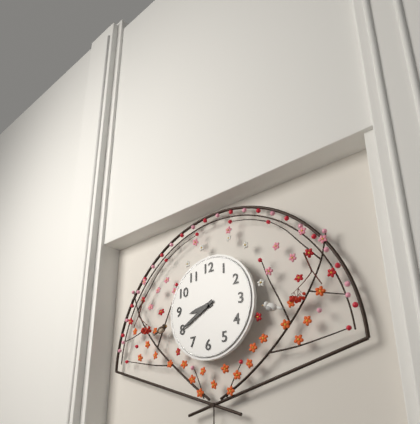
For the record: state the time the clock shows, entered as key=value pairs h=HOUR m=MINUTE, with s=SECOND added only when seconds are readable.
h=8 m=40
